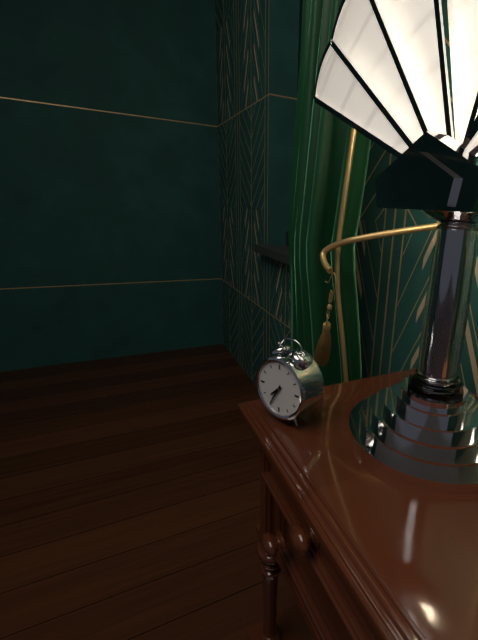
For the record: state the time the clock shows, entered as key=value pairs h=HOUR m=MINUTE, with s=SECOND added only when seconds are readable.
h=7 m=35
